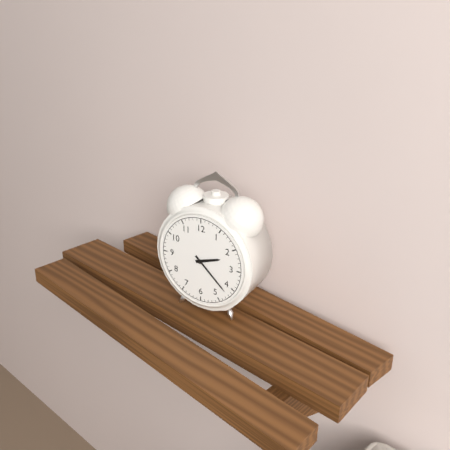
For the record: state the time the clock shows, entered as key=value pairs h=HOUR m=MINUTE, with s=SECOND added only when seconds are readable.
h=2 m=22
